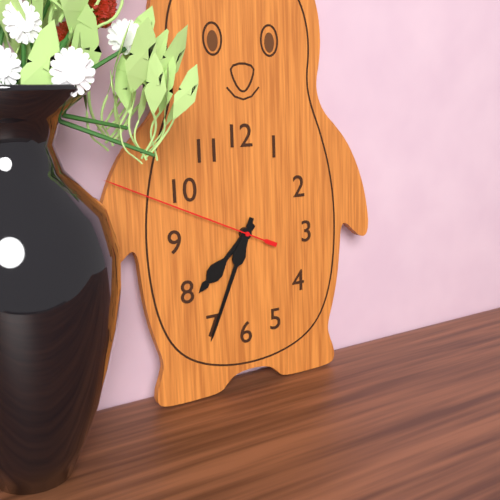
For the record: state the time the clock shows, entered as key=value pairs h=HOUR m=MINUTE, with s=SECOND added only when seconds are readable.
h=7 m=34 s=49
